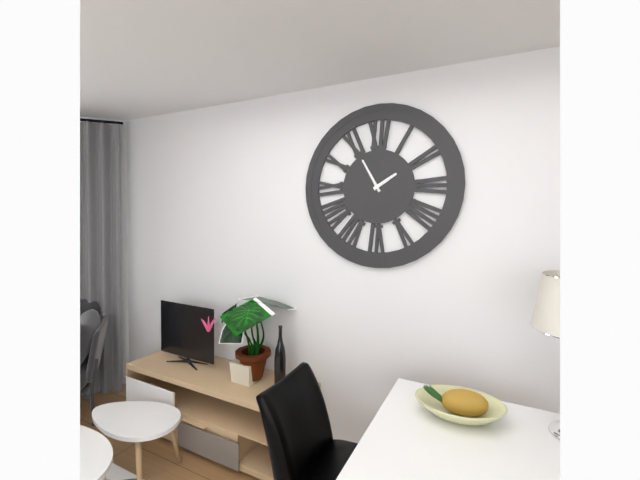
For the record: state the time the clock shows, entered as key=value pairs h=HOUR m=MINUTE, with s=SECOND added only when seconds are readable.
h=1 m=55
